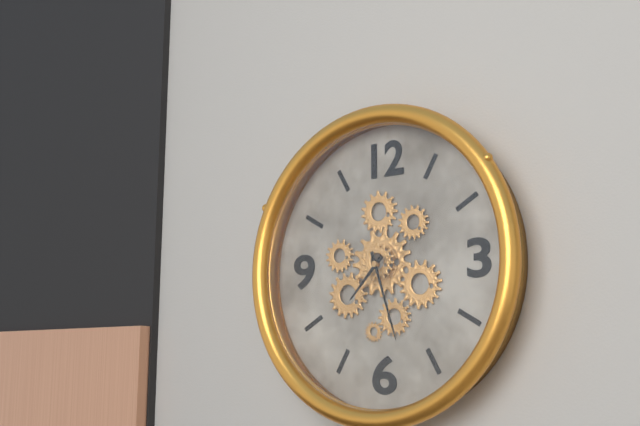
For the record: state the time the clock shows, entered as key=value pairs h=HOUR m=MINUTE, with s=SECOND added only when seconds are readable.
h=7 m=27
